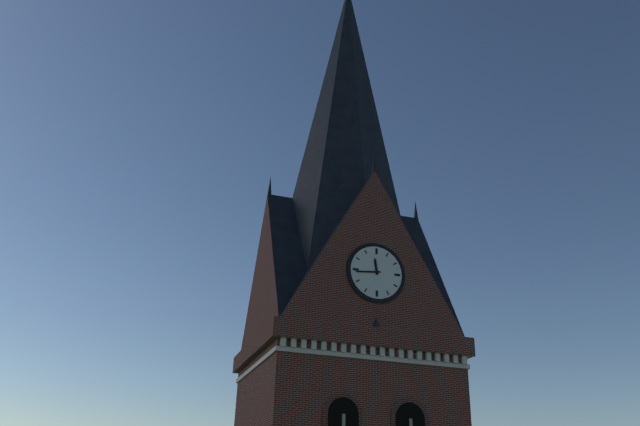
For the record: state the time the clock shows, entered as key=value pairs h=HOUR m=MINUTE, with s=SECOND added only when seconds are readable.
h=11 m=44
